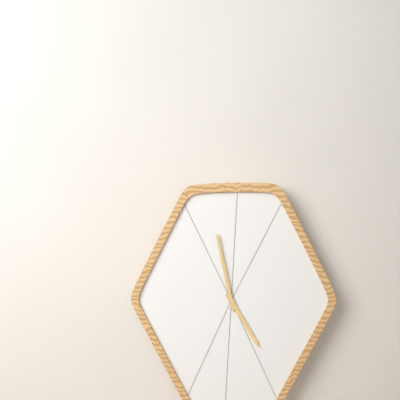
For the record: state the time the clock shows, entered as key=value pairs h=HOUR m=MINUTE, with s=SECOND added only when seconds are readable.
h=4 m=58
